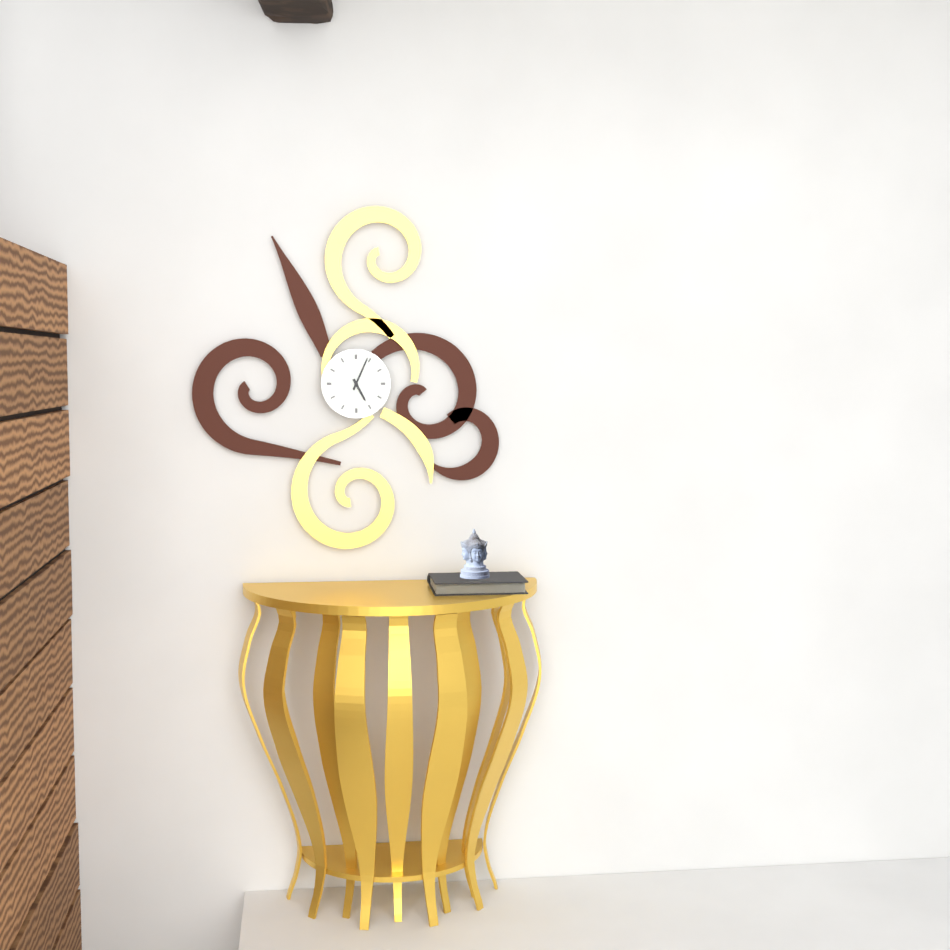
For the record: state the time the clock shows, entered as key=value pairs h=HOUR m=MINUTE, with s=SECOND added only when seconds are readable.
h=5 m=4
